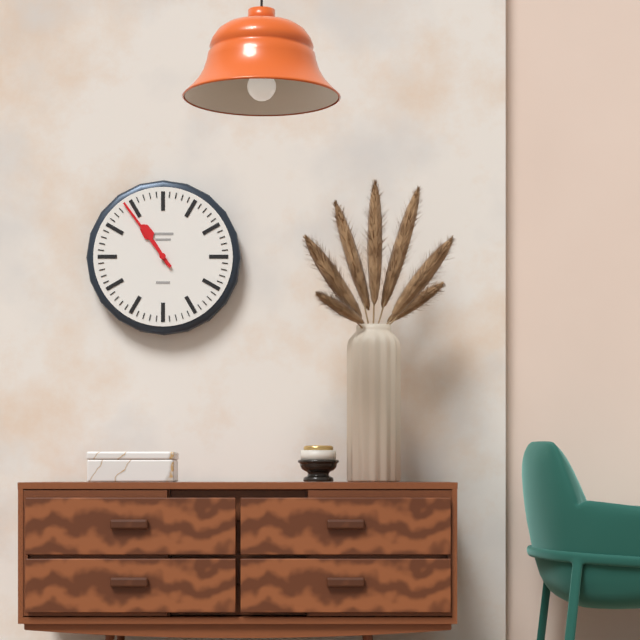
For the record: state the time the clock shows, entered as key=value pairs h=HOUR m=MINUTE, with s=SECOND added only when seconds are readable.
h=10 m=54
